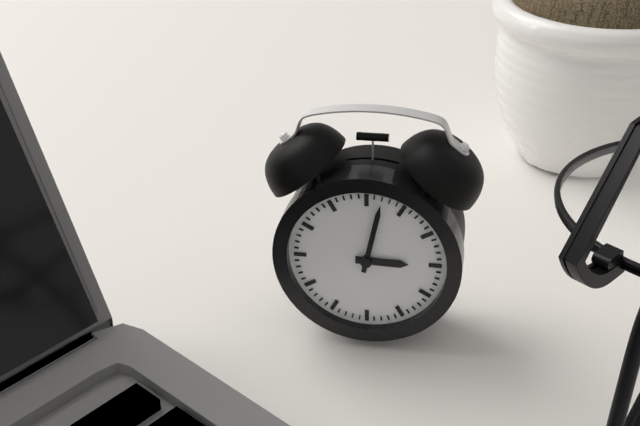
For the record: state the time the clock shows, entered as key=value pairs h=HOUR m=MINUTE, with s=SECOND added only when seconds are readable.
h=3 m=2
